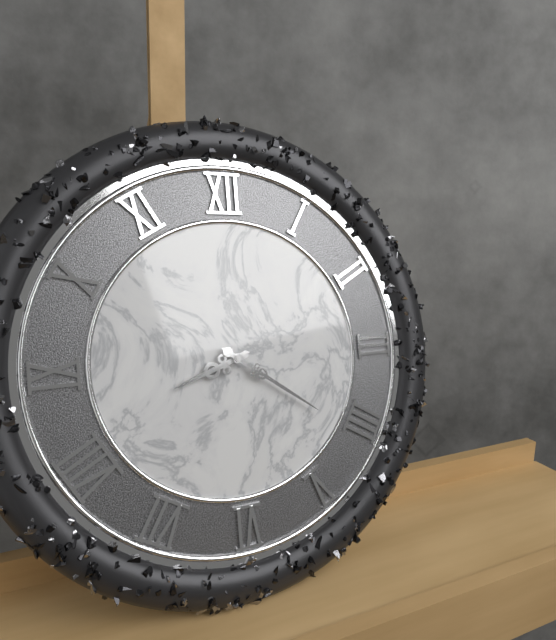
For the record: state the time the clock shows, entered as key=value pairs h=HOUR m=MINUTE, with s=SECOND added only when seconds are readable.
h=8 m=21
